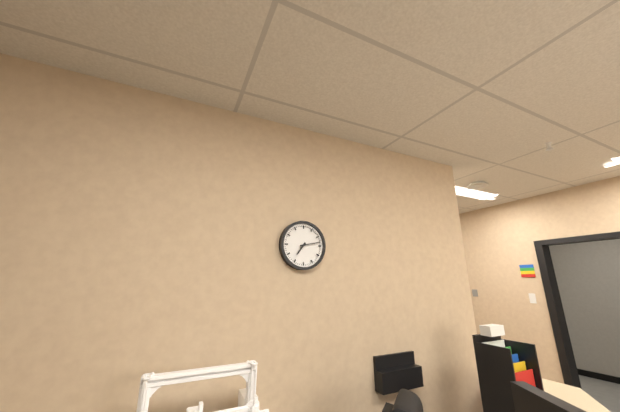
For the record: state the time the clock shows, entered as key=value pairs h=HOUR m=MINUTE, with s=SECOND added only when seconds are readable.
h=7 m=13
